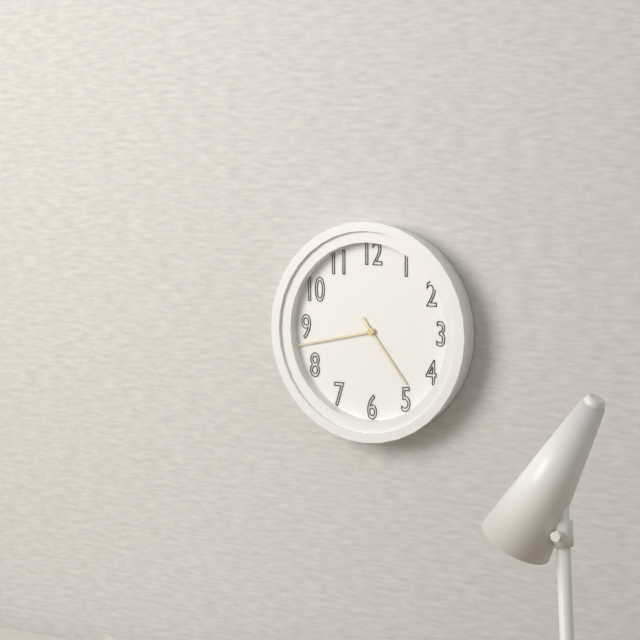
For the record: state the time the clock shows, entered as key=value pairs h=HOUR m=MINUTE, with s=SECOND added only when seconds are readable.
h=4 m=43
